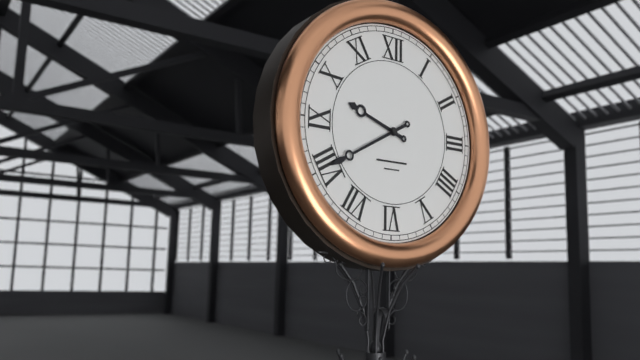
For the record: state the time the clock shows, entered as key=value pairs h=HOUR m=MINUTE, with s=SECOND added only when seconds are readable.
h=9 m=40
